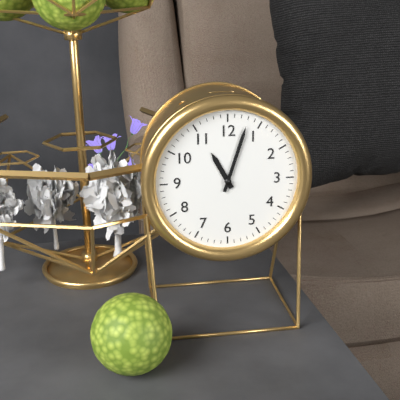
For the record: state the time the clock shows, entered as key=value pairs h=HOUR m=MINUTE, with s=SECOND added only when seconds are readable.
h=11 m=3
